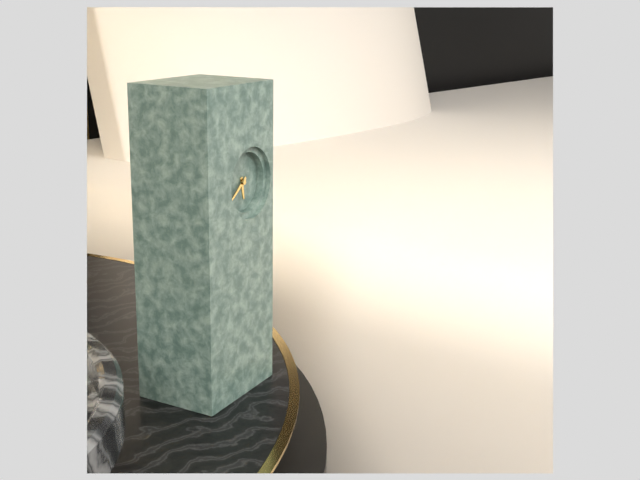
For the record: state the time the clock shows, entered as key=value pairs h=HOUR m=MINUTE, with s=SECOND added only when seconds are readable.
h=5 m=39
